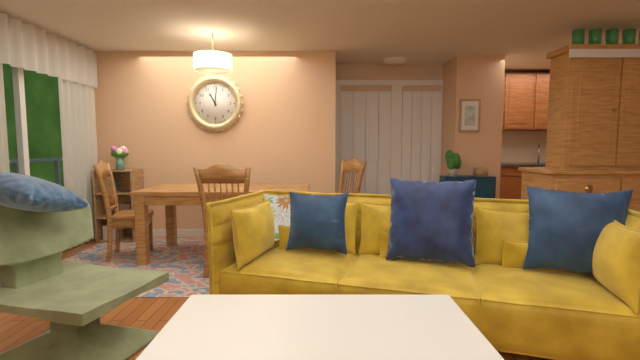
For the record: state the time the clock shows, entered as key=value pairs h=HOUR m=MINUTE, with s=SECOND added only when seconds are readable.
h=11 m=1
